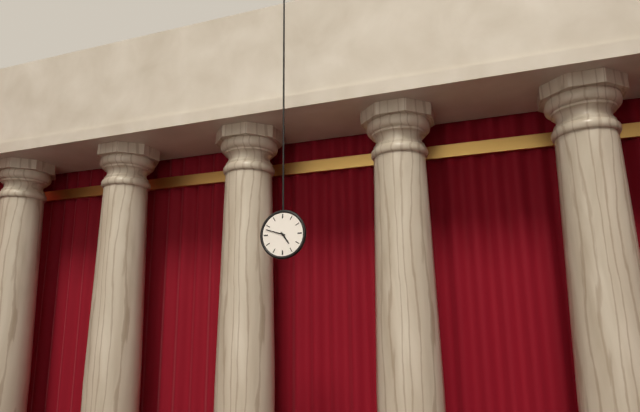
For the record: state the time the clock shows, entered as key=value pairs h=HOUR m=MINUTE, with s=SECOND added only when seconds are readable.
h=4 m=48
